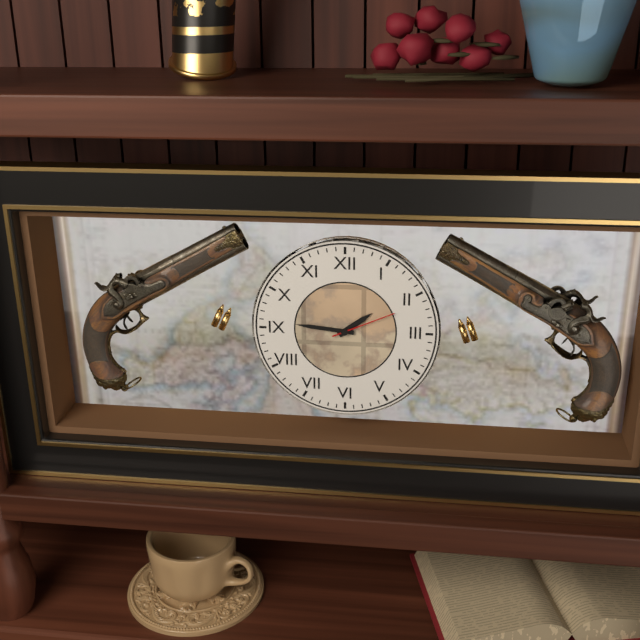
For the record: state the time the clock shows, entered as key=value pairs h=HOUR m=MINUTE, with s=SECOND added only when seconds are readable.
h=1 m=46 s=11
